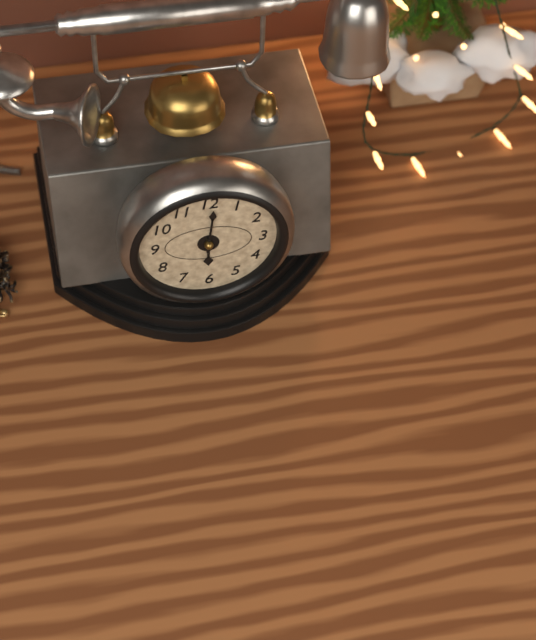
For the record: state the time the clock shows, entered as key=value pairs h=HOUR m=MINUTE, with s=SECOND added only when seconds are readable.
h=6 m=1
